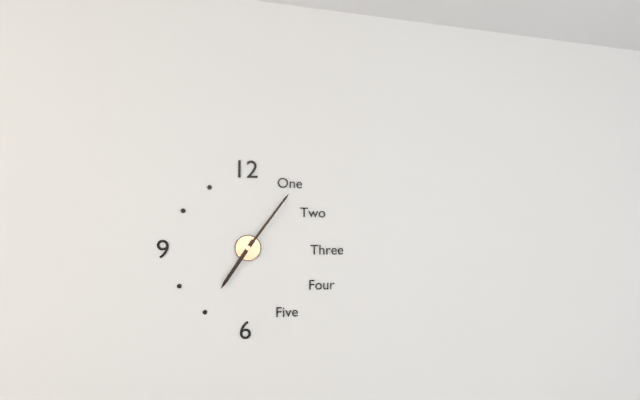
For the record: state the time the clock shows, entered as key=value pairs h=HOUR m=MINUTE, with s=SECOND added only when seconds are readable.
h=7 m=6
